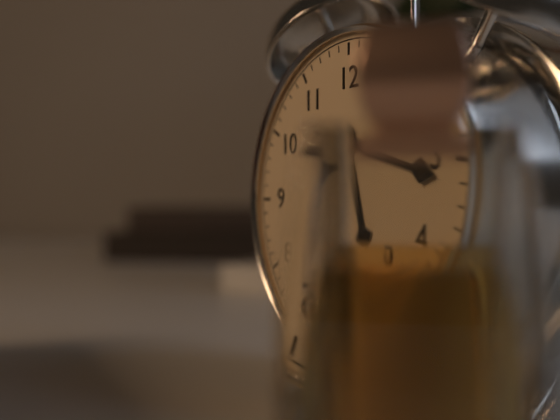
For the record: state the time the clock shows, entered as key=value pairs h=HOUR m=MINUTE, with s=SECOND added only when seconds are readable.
h=5 m=16
